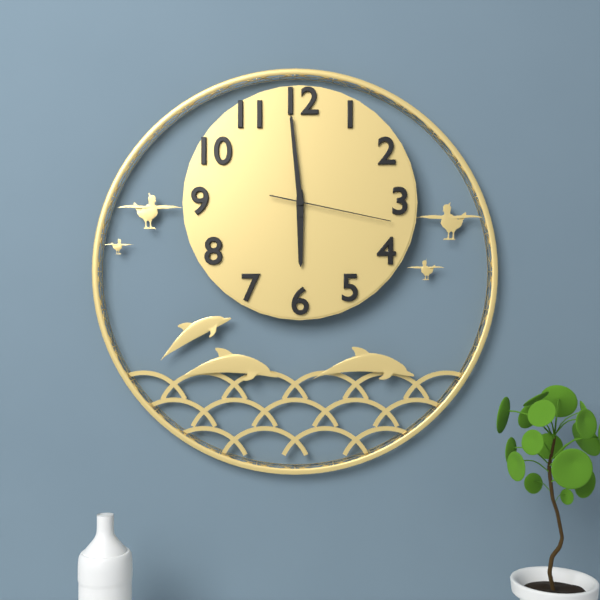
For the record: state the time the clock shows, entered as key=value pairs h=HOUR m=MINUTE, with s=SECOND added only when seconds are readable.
h=5 m=59 s=17
